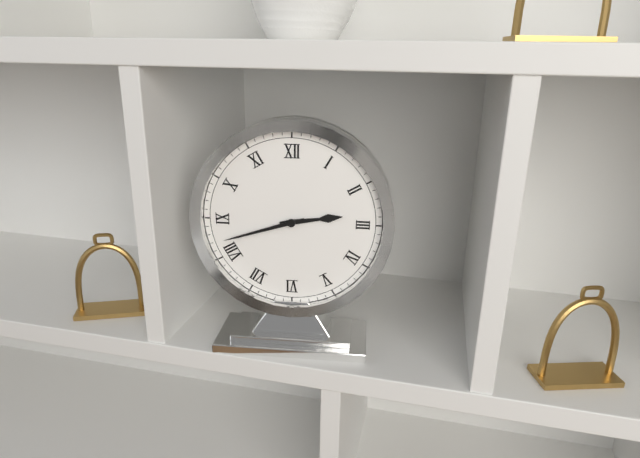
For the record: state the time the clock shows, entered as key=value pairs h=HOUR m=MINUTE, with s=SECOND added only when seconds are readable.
h=2 m=42
